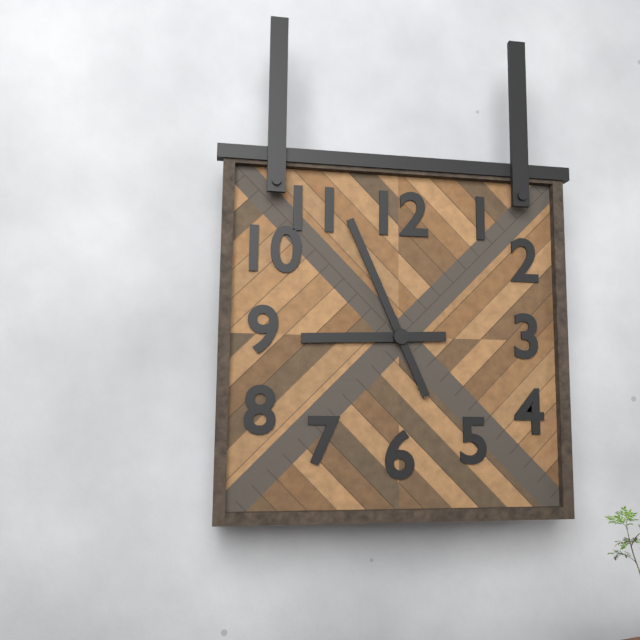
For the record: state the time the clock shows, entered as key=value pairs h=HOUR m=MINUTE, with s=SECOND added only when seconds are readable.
h=8 m=56
